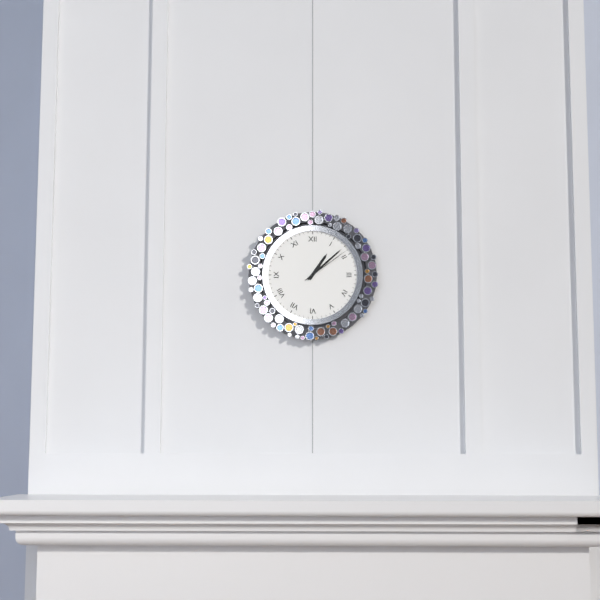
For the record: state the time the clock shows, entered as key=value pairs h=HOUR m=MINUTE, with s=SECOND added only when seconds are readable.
h=1 m=8 s=9
